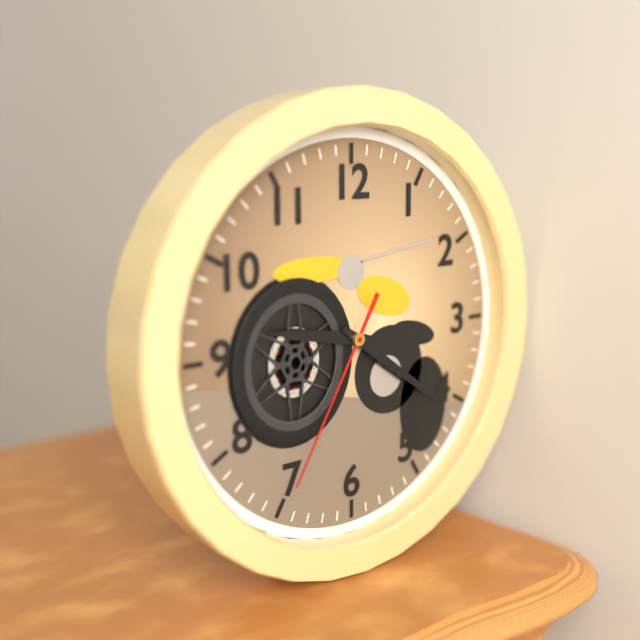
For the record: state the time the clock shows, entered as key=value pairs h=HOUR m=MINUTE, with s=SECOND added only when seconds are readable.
h=9 m=21 s=35
